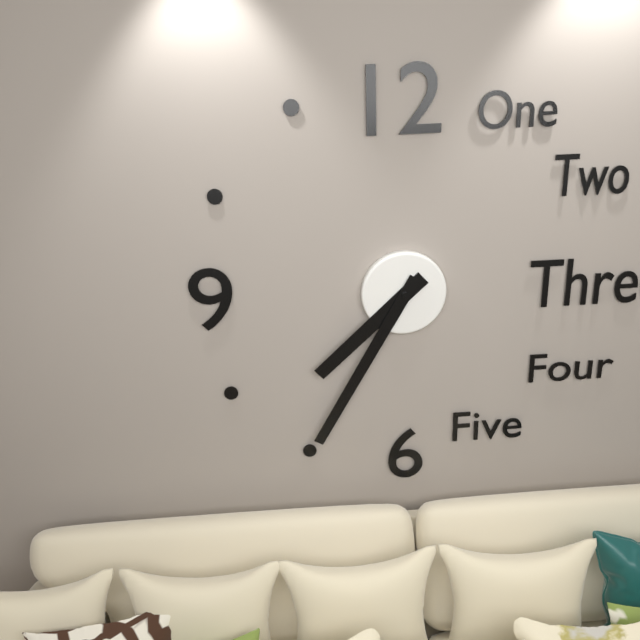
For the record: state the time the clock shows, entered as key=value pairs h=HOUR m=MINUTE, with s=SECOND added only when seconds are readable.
h=7 m=35
